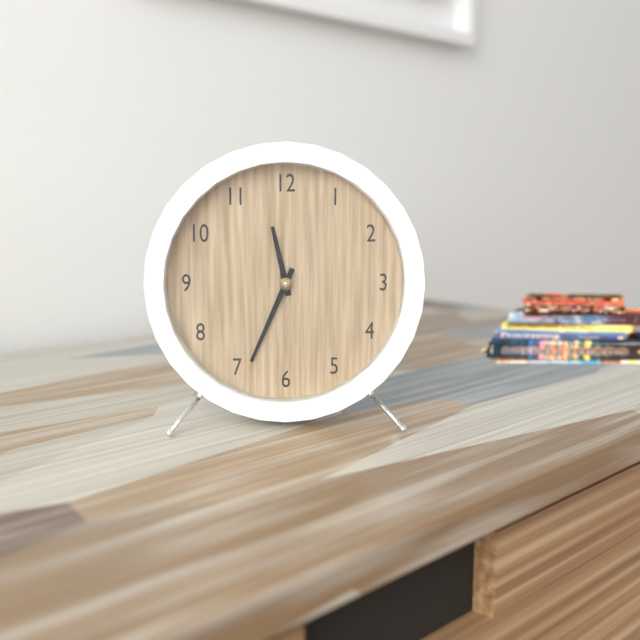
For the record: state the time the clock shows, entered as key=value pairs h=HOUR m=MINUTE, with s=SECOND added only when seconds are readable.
h=11 m=34
